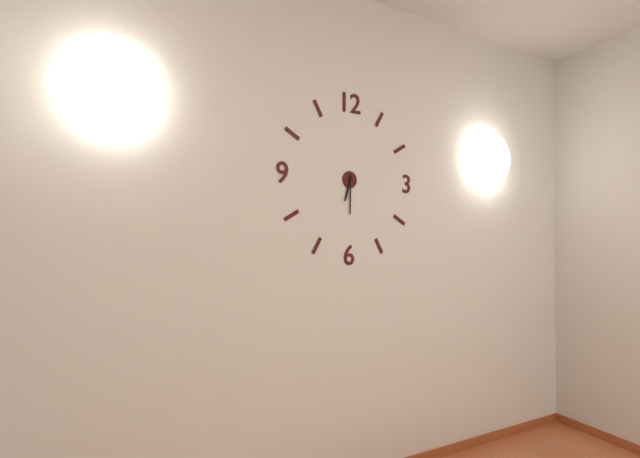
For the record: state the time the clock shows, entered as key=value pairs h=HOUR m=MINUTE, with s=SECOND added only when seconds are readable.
h=6 m=30
